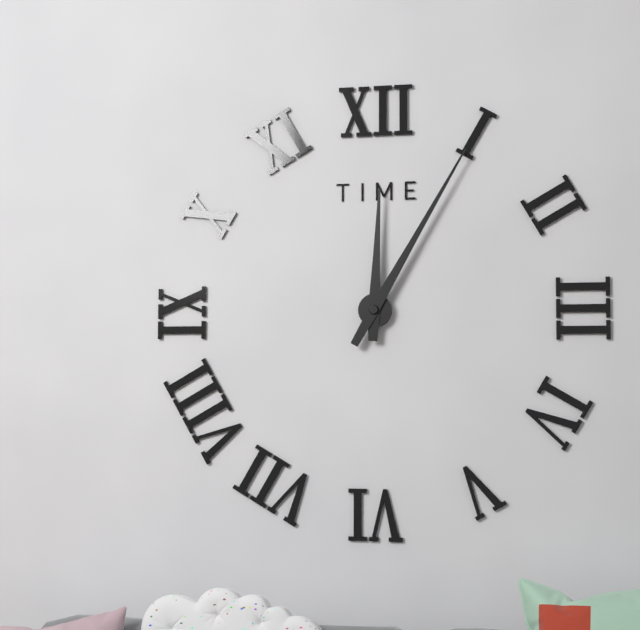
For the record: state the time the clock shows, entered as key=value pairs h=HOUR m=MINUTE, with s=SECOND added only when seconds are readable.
h=12 m=5
